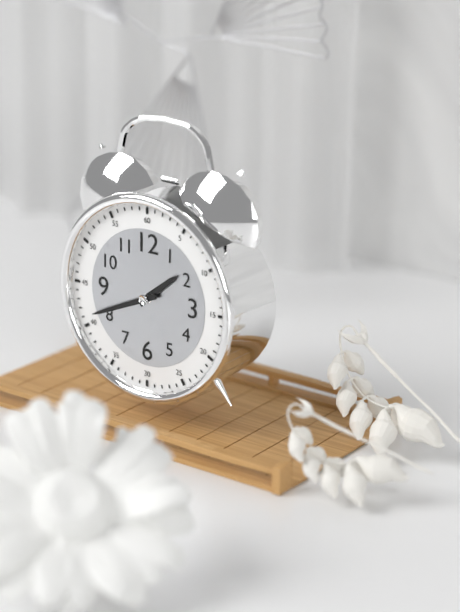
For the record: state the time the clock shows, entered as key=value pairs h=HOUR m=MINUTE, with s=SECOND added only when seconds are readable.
h=1 m=41
